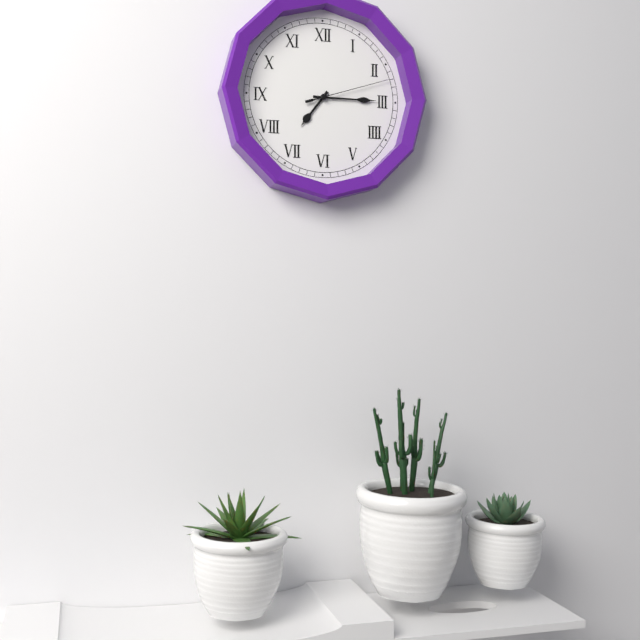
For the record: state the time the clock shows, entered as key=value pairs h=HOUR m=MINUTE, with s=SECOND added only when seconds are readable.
h=7 m=15 s=12
